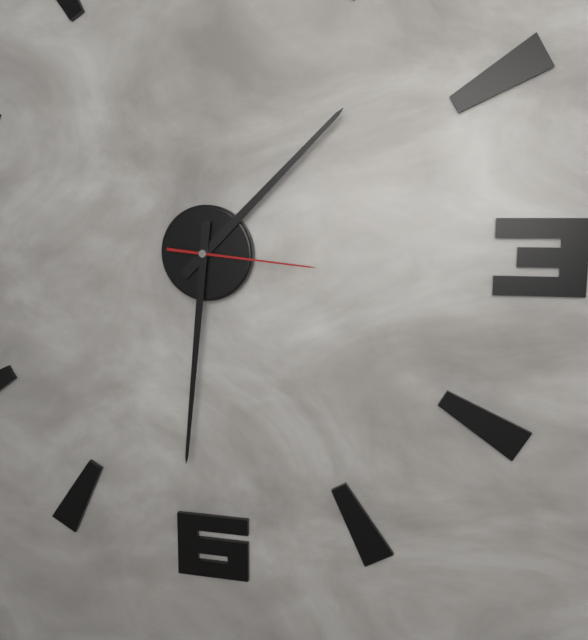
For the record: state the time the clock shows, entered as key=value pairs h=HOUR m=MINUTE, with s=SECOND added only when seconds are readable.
h=1 m=31 s=16
